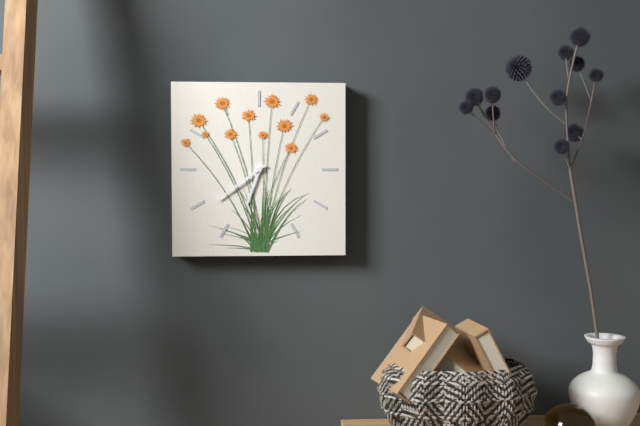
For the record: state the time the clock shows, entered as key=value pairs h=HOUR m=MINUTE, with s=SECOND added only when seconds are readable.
h=6 m=39
